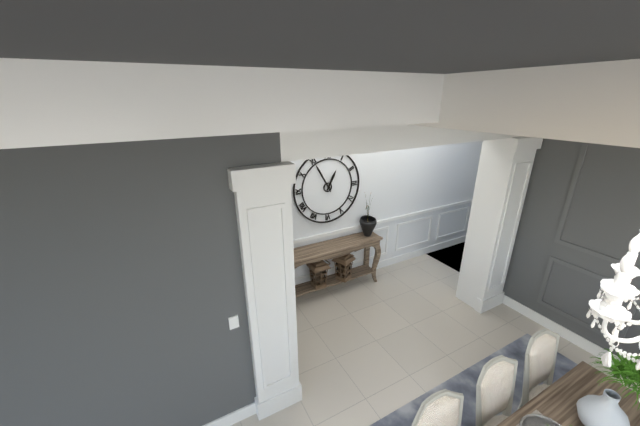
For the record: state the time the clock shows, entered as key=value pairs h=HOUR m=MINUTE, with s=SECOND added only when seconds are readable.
h=12 m=55
